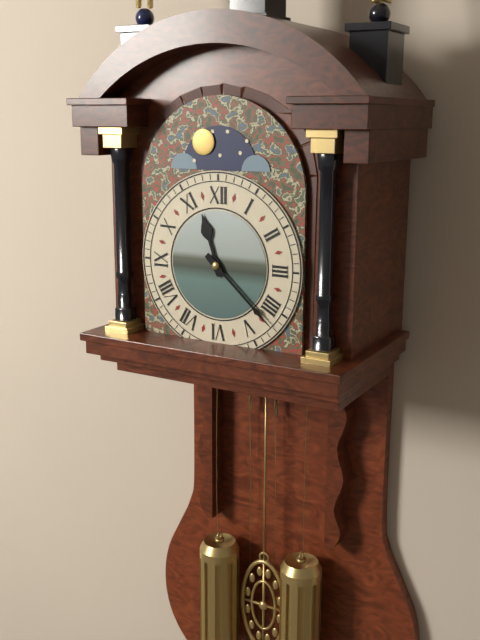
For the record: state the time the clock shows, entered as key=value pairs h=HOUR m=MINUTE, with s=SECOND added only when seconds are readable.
h=11 m=22
